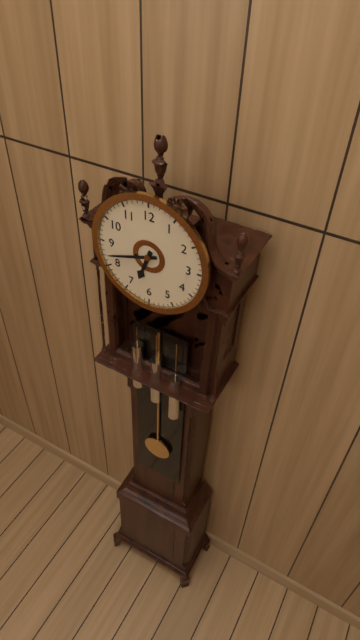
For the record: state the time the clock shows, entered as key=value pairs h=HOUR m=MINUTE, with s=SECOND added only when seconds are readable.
h=6 m=42
